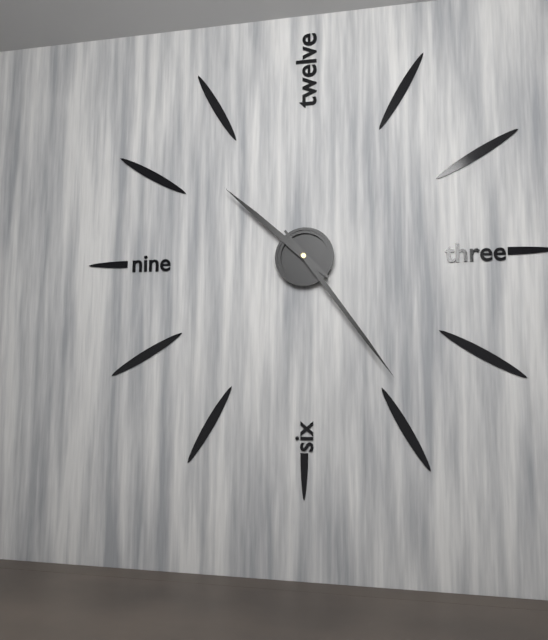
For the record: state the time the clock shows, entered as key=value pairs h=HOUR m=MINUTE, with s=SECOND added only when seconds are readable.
h=10 m=24
